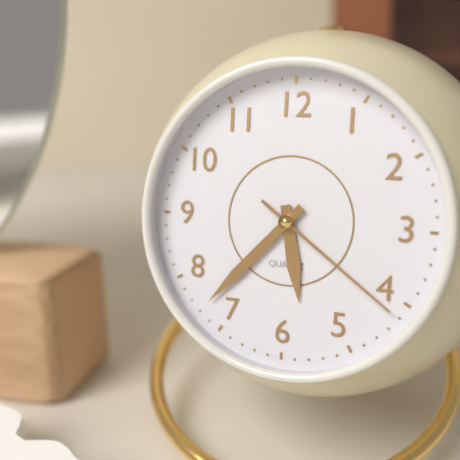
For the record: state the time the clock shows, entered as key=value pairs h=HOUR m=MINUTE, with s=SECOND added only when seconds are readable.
h=5 m=37 s=21
